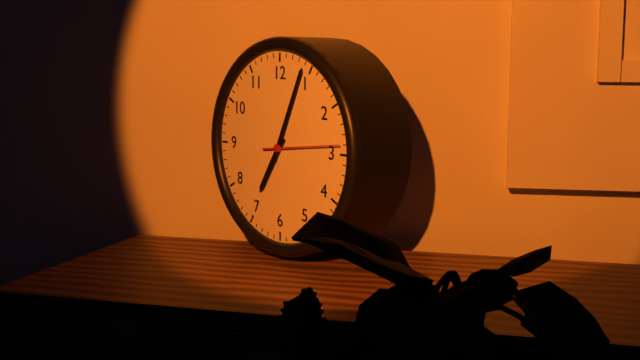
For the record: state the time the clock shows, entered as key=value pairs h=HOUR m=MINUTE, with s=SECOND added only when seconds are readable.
h=7 m=4 s=14
